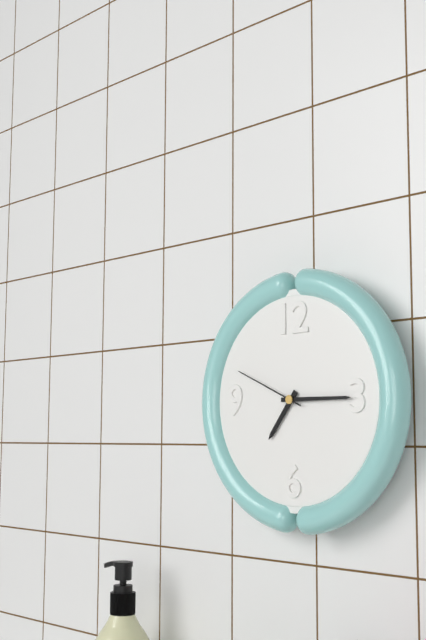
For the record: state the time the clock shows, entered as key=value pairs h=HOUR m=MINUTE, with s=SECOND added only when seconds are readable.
h=7 m=15 s=49
